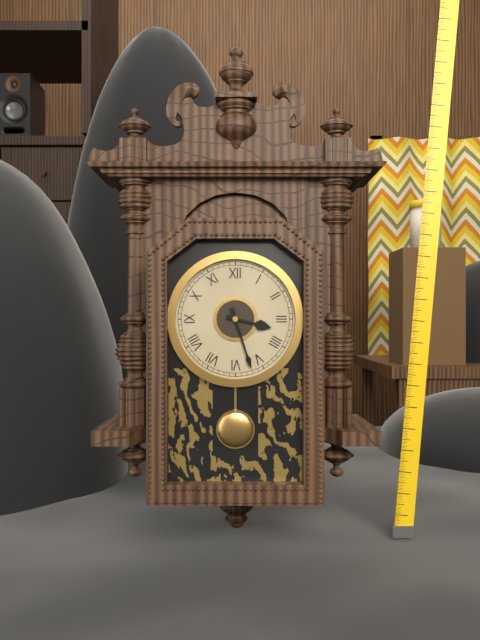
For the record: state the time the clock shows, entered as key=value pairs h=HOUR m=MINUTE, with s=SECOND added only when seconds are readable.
h=3 m=27
